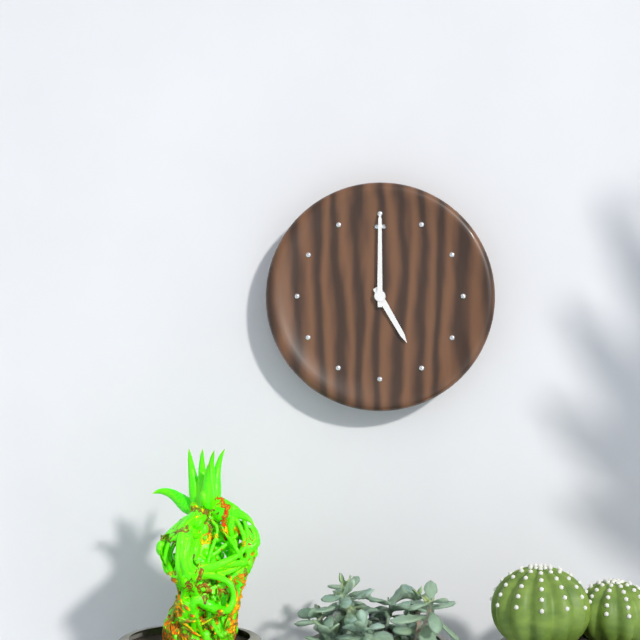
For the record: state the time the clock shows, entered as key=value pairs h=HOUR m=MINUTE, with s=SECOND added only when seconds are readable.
h=5 m=0
